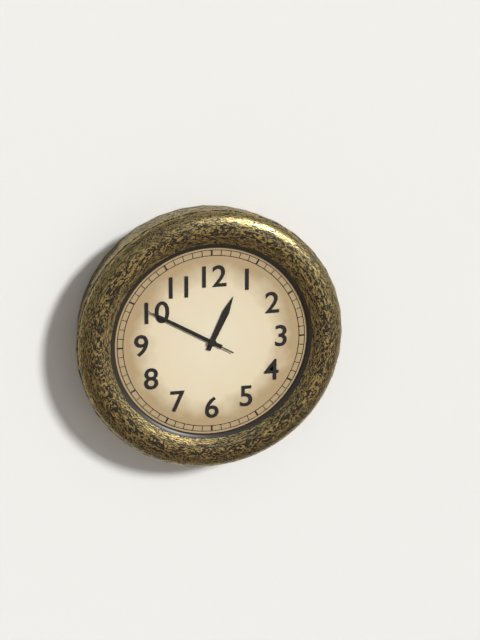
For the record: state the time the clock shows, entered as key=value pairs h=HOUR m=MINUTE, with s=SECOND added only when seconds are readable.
h=12 m=50 s=50
